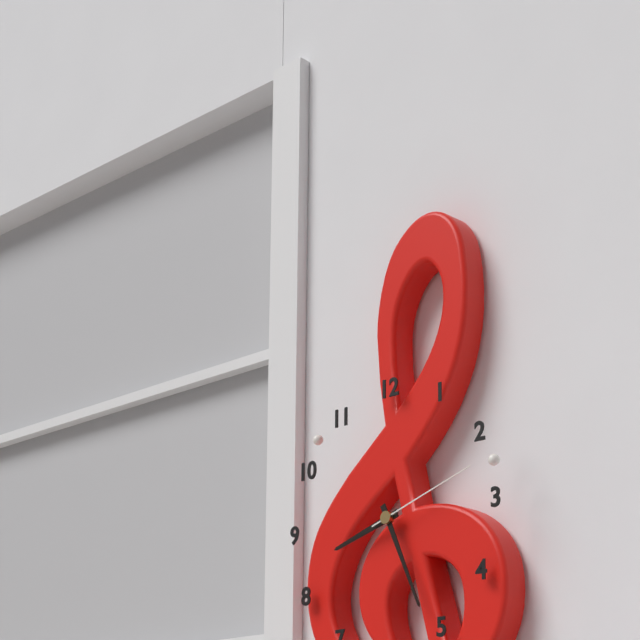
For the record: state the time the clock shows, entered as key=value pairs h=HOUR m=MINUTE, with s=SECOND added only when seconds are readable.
h=8 m=26 s=12
